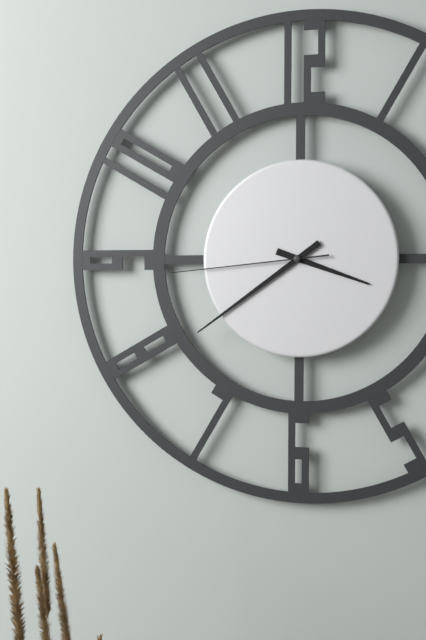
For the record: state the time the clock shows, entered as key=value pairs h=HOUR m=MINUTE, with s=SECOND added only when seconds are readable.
h=3 m=39 s=44
